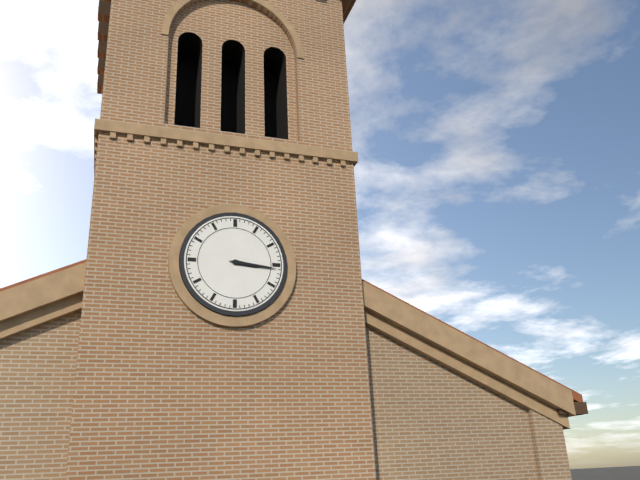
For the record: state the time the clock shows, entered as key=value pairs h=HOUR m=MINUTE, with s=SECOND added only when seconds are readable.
h=3 m=16
